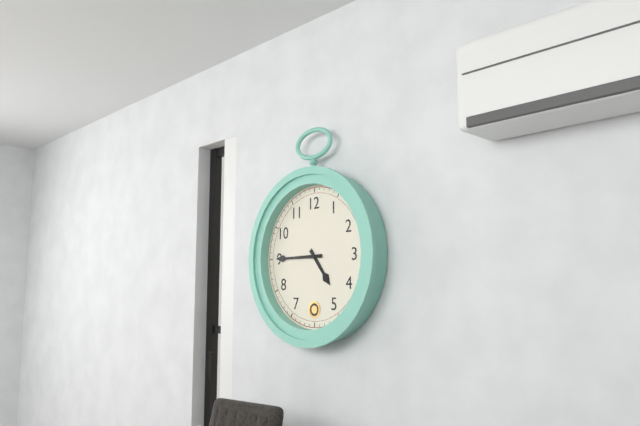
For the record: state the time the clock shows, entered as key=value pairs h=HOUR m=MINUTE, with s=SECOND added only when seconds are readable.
h=4 m=45
